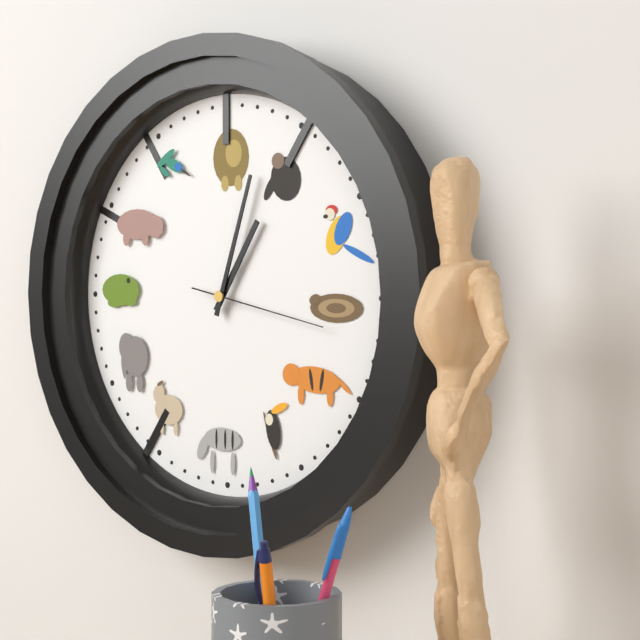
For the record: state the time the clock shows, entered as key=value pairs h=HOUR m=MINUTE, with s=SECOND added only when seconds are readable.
h=1 m=3 s=17
